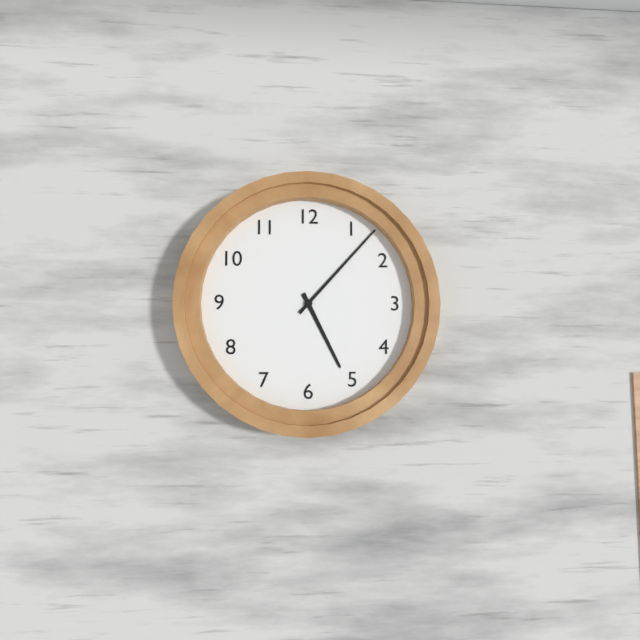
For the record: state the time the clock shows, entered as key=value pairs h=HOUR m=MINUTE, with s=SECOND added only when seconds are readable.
h=5 m=7
